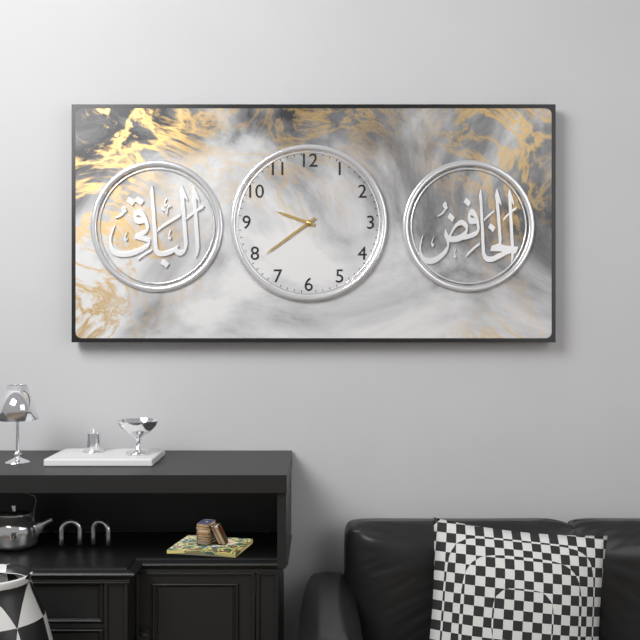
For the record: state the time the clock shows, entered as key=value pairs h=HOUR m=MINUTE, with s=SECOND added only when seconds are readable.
h=9 m=39
